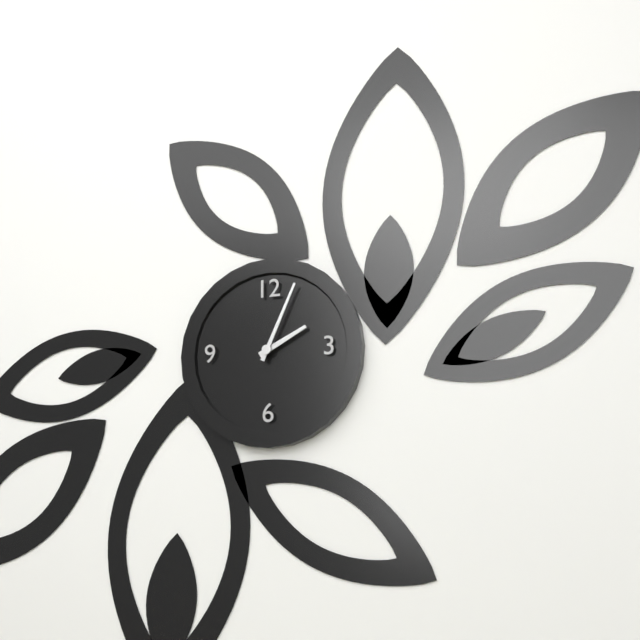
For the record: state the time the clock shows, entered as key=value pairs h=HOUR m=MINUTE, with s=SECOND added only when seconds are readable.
h=2 m=4
